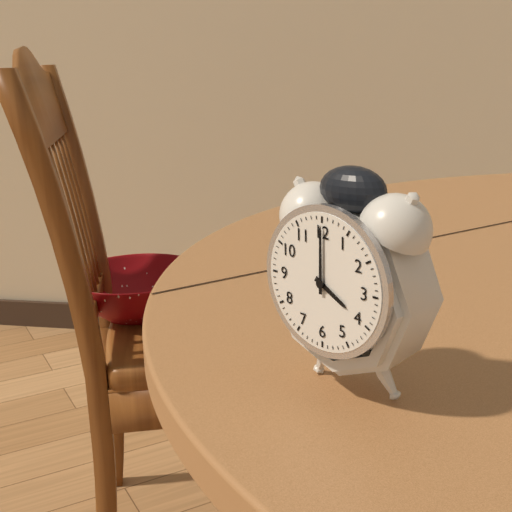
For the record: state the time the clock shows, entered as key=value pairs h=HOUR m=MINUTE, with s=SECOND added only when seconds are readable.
h=4 m=0
